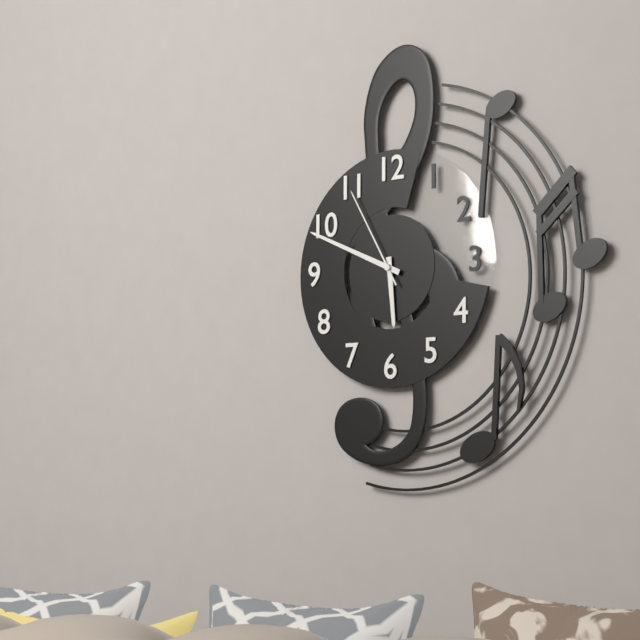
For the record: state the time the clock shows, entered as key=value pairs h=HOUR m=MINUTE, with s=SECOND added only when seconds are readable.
h=5 m=49 s=55
